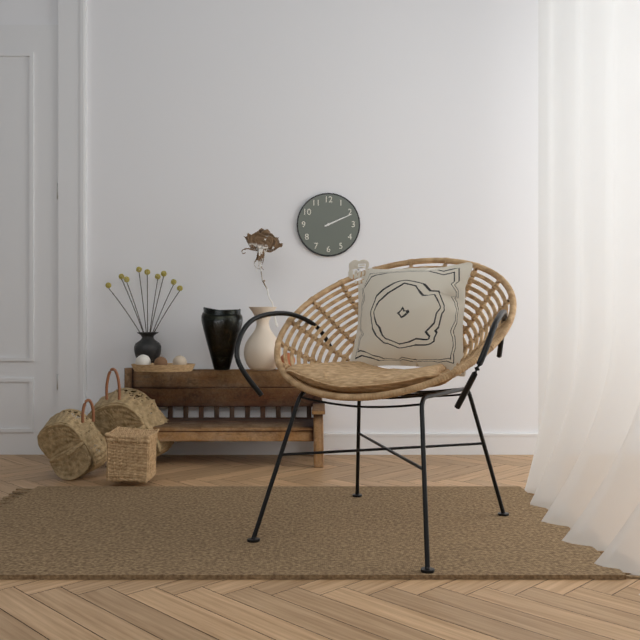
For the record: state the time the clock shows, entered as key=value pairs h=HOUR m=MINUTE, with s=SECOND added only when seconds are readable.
h=2 m=11
